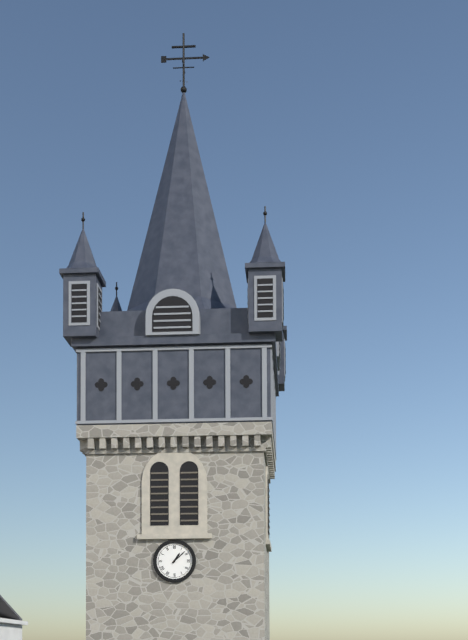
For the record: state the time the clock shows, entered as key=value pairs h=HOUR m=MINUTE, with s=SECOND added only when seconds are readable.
h=1 m=8
